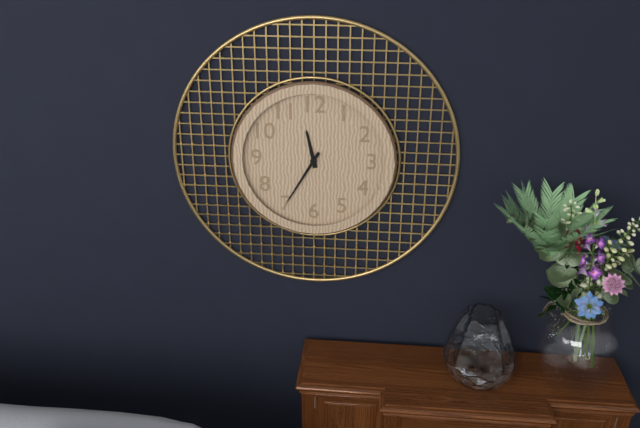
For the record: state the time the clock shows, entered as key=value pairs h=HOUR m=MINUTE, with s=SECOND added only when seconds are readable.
h=11 m=35
